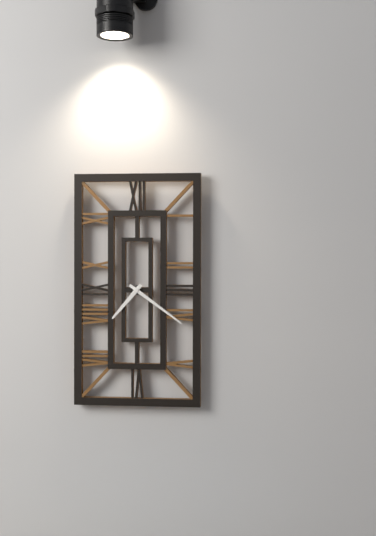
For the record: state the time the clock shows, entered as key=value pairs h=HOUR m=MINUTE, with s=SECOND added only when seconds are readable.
h=7 m=21
